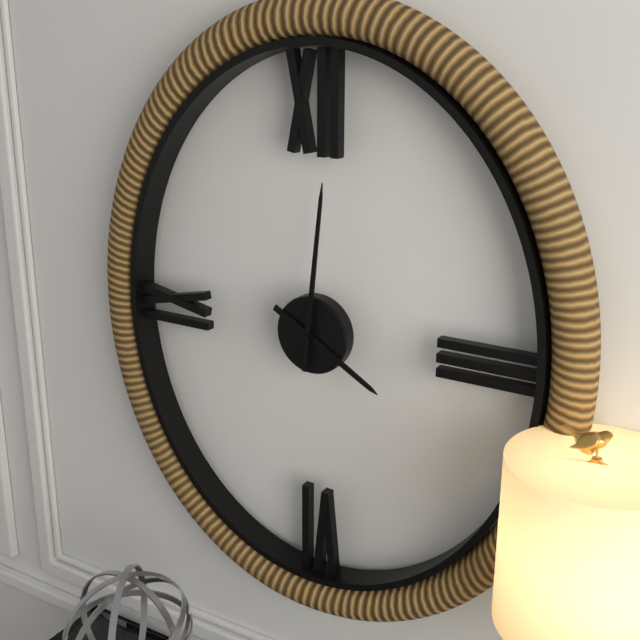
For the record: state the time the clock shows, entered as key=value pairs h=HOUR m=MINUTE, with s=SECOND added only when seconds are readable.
h=4 m=1
